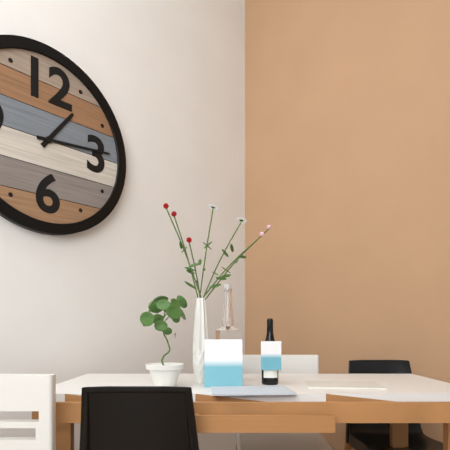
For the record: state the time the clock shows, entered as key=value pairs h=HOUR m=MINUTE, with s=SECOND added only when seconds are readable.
h=1 m=14
